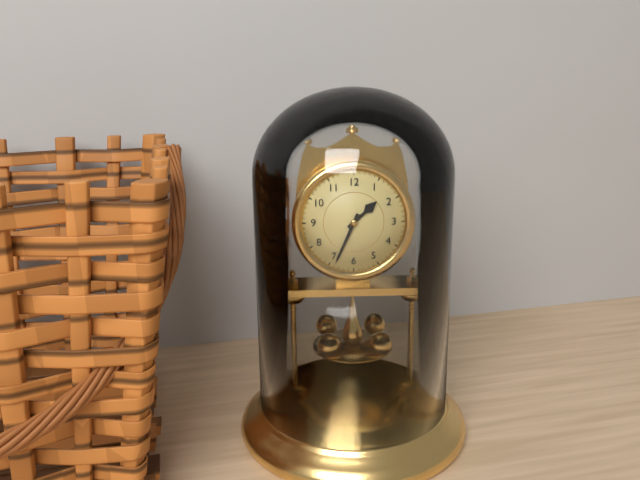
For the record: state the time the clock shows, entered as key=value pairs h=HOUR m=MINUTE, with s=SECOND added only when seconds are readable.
h=1 m=34
